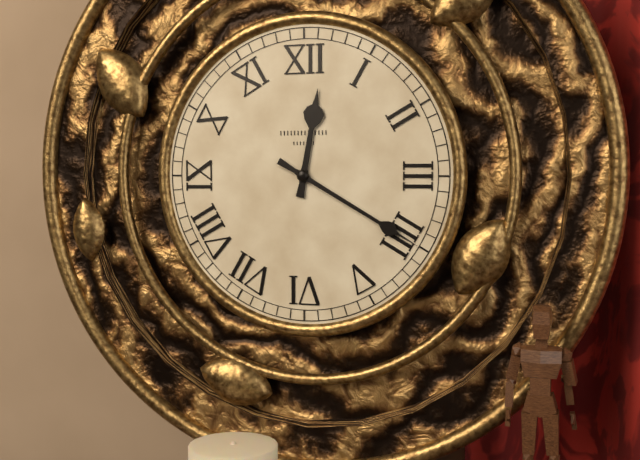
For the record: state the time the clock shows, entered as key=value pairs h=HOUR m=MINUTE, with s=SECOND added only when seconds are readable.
h=12 m=20
